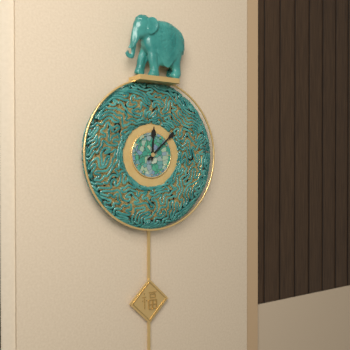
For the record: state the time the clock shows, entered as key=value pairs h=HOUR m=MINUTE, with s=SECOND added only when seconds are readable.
h=12 m=8
